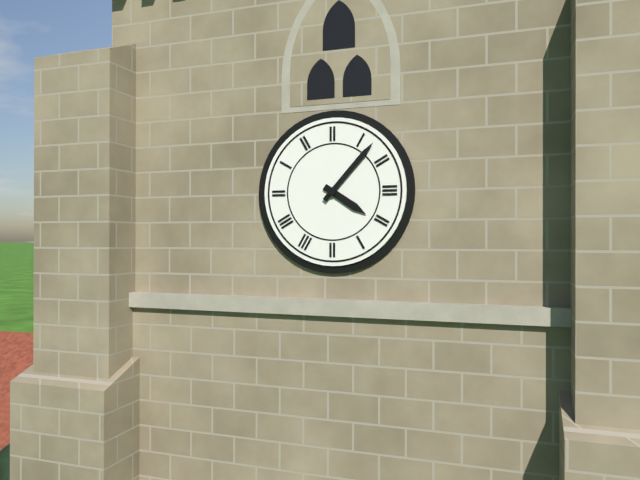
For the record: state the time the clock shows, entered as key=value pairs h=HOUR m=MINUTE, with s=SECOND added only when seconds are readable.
h=4 m=7
